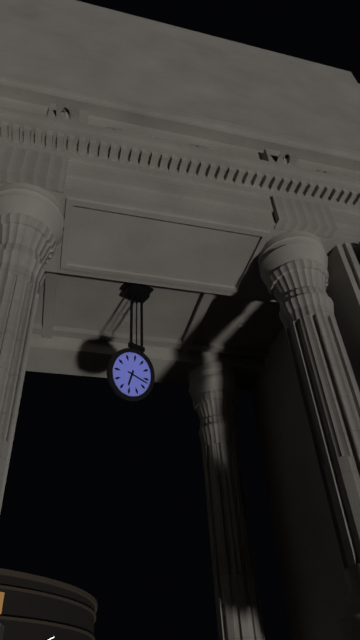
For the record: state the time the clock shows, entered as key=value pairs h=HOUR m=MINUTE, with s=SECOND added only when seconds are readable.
h=6 m=17
